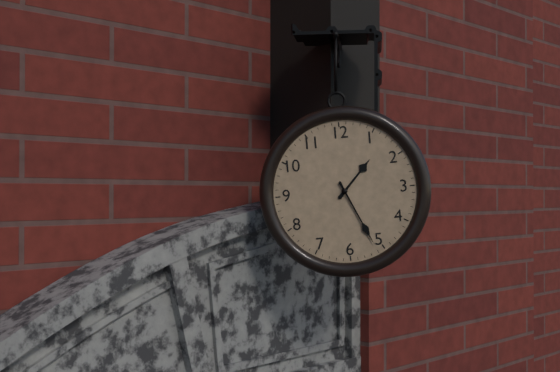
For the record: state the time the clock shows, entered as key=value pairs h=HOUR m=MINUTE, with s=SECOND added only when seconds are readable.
h=1 m=26
